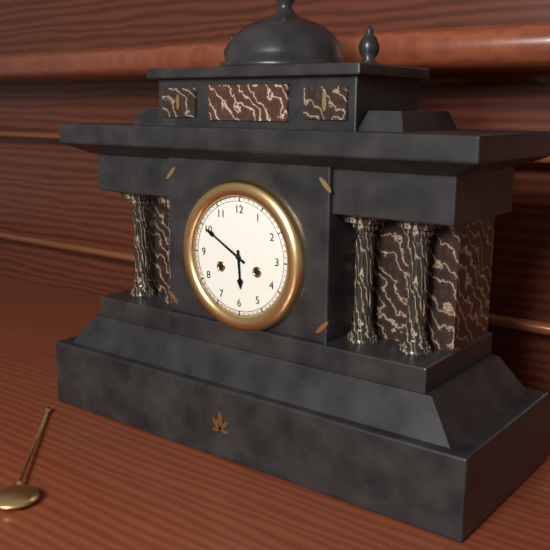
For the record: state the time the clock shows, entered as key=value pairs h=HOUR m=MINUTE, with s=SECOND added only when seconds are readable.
h=5 m=50
